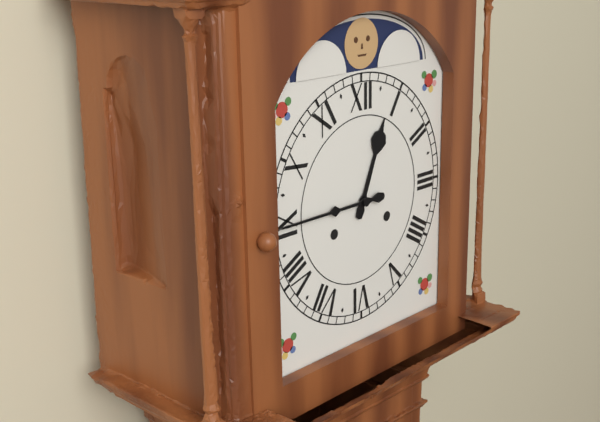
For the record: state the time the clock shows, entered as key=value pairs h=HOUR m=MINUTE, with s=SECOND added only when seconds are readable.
h=12 m=45
